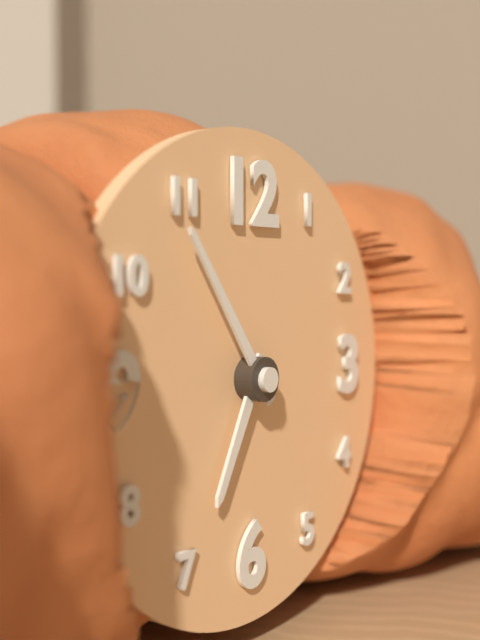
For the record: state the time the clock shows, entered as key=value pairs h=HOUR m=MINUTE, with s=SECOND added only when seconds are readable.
h=6 m=54
